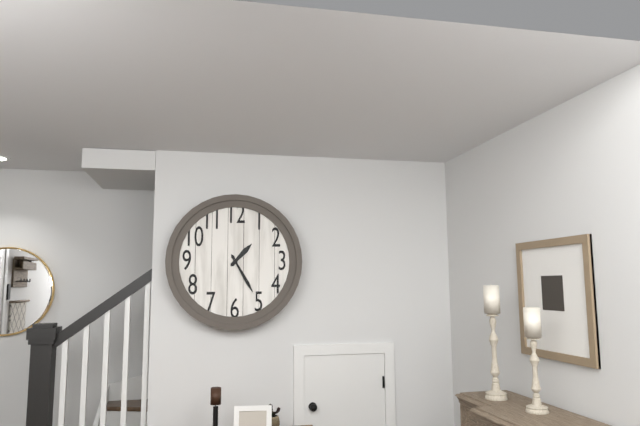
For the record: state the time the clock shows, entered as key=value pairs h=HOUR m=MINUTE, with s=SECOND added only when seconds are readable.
h=1 m=25
